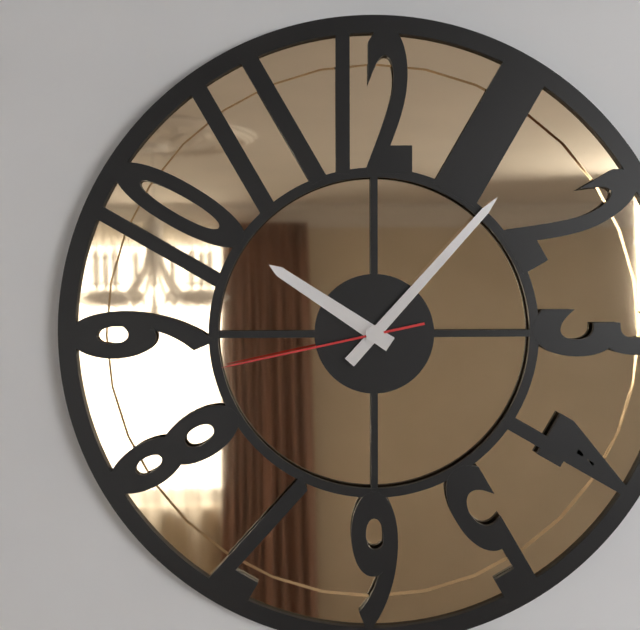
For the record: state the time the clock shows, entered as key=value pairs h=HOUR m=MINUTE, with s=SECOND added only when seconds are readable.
h=10 m=7 s=43
